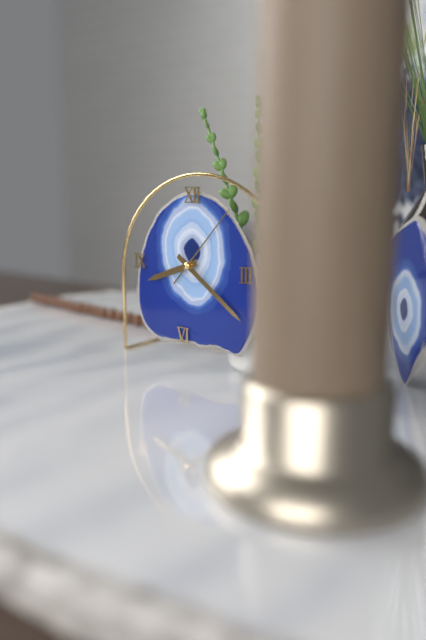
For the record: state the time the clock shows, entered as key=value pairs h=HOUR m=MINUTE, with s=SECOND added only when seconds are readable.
h=8 m=21 s=7
